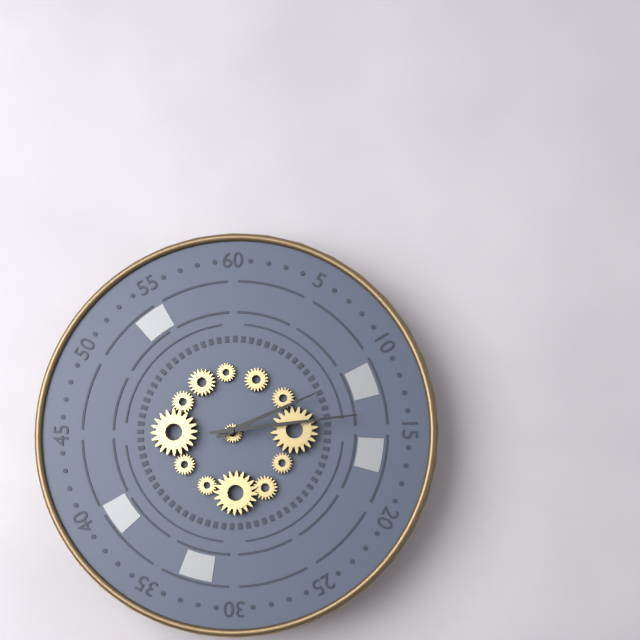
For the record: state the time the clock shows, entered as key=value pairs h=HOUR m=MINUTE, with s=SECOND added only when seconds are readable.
h=2 m=14
